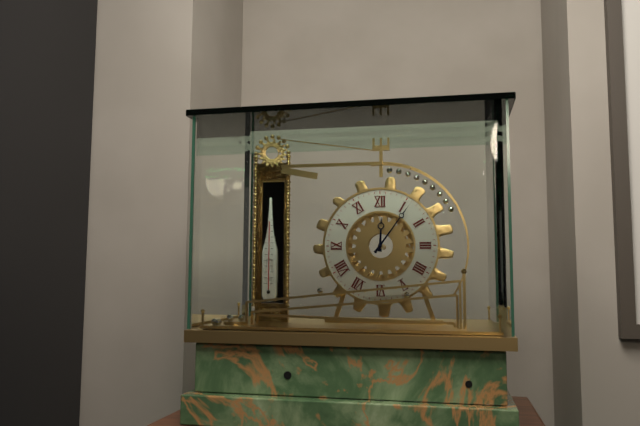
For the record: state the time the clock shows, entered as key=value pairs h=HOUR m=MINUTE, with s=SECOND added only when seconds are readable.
h=12 m=6
